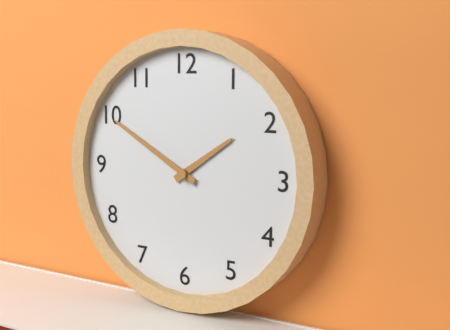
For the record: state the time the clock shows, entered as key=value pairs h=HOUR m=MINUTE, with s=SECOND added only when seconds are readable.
h=1 m=50
